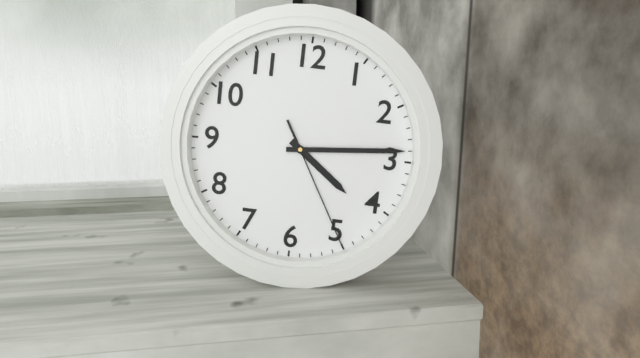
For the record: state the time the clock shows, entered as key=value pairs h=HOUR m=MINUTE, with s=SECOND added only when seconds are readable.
h=4 m=14 s=25
